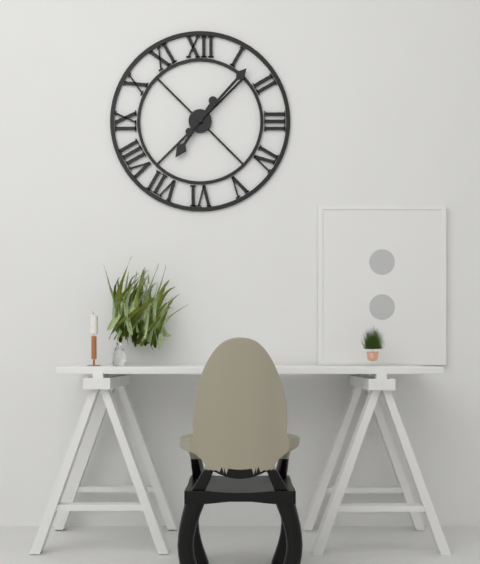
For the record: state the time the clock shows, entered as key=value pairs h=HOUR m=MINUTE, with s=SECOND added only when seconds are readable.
h=7 m=7
